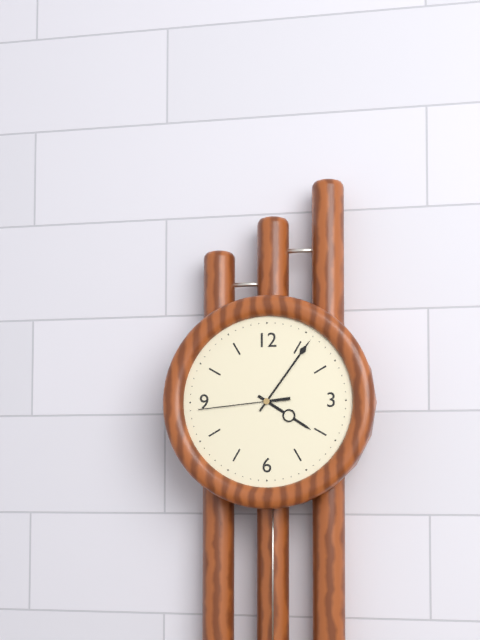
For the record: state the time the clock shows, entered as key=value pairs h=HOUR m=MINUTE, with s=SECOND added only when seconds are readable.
h=4 m=6 s=44
